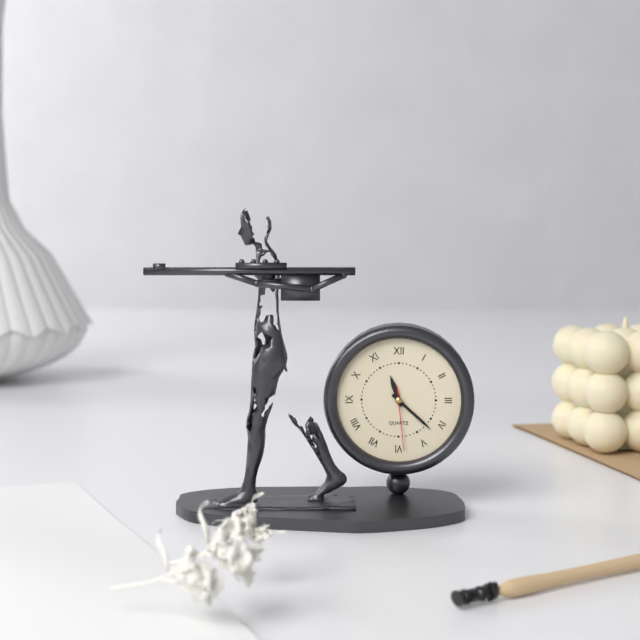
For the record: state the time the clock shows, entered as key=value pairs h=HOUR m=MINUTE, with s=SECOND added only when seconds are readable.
h=11 m=22 s=29
